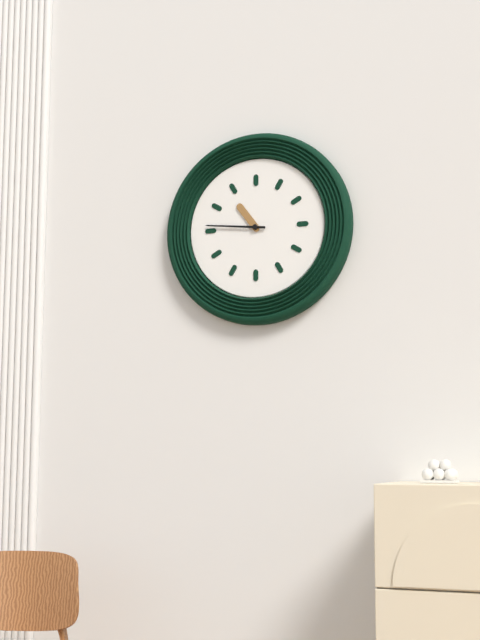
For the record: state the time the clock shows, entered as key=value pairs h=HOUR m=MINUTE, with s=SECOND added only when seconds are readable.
h=10 m=46
